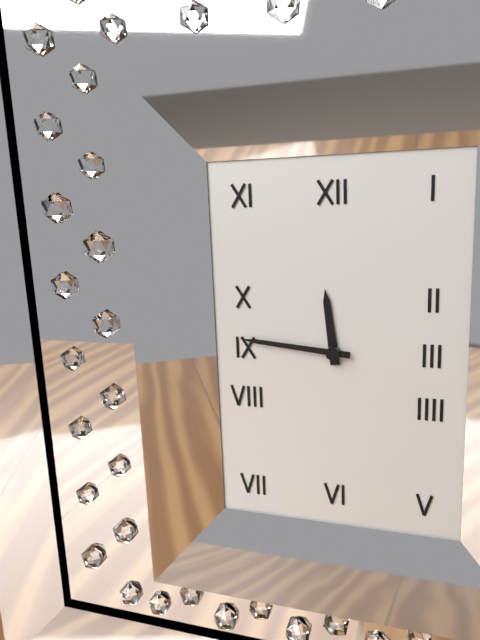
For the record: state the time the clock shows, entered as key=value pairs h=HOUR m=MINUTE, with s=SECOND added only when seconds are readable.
h=11 m=46
